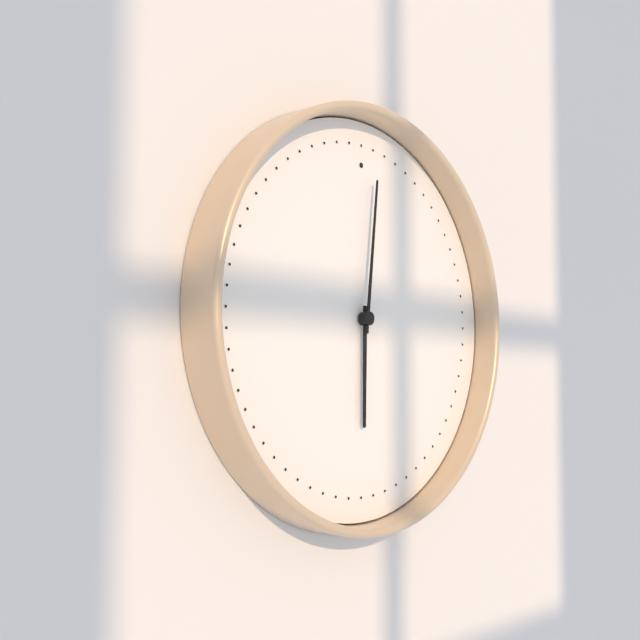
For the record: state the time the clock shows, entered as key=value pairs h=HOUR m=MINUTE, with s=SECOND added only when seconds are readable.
h=6 m=1
